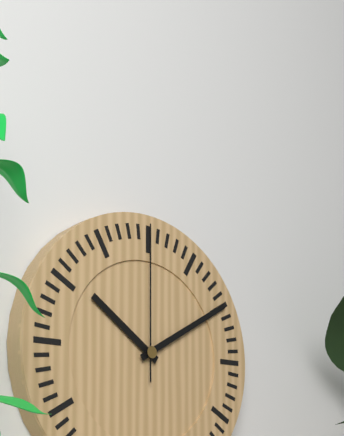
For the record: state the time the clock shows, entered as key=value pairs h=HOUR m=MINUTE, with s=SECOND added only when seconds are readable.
h=10 m=10 s=0
